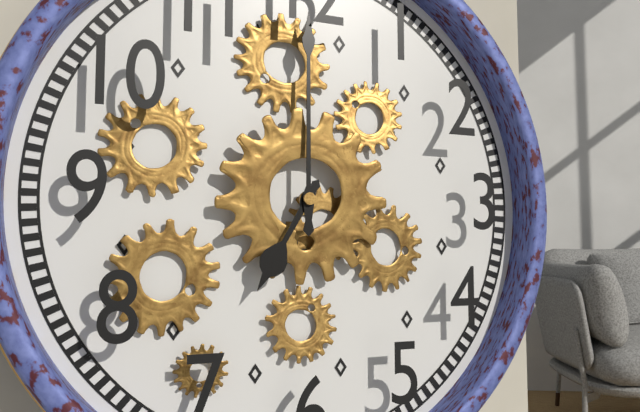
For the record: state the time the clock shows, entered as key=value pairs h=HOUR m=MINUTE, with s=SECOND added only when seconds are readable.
h=7 m=0
